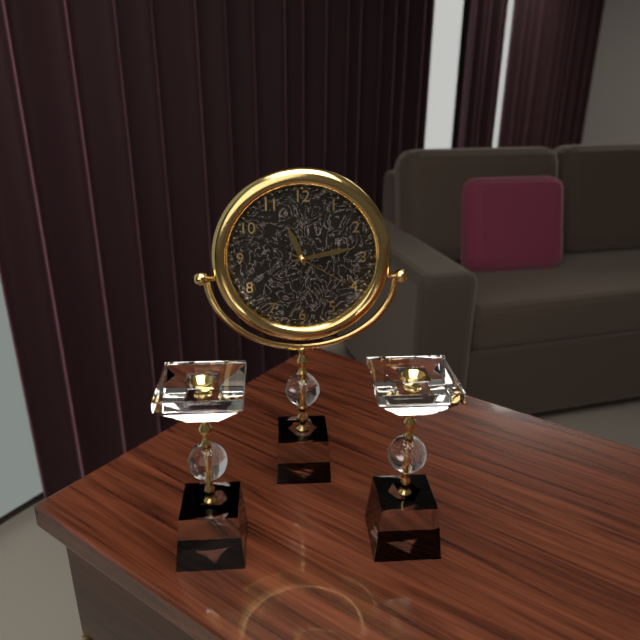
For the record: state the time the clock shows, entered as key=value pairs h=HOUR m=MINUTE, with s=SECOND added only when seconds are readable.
h=11 m=13 s=20
